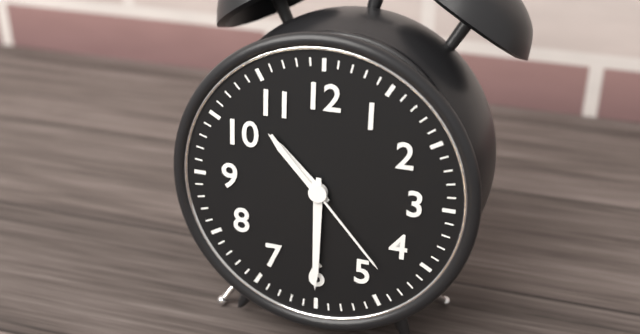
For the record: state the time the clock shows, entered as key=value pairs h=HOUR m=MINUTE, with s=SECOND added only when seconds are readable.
h=10 m=30 s=23
